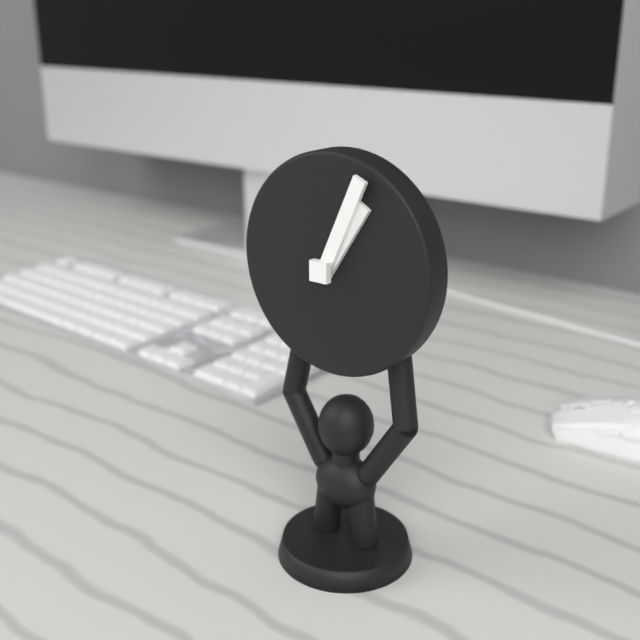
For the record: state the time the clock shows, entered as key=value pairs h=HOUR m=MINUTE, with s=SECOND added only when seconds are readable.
h=1 m=4
